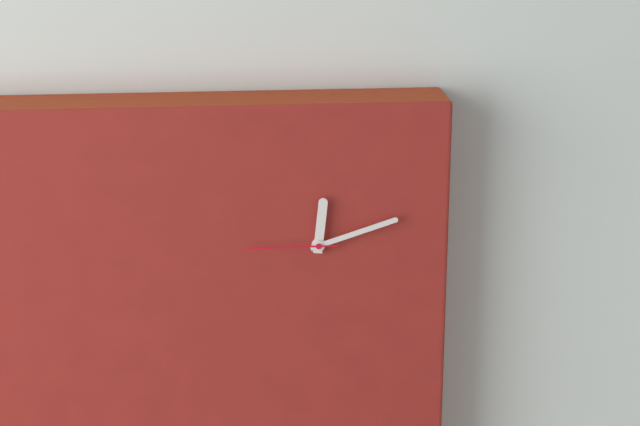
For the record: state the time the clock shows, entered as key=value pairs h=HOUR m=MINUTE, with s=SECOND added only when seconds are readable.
h=12 m=12 s=45
